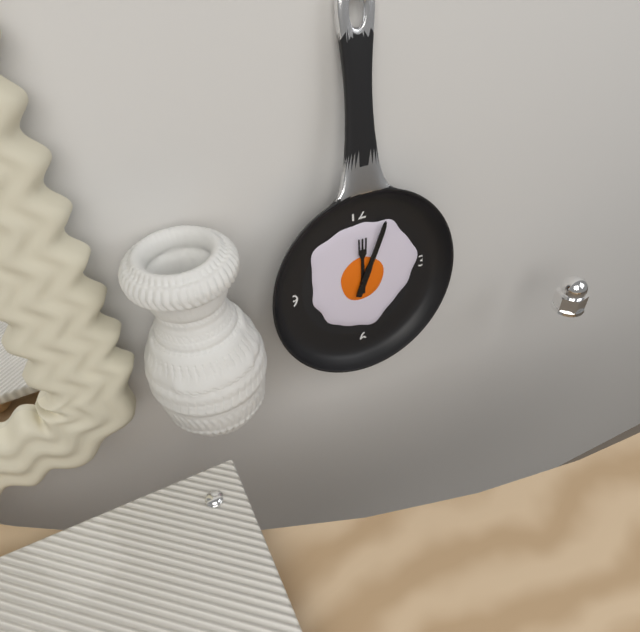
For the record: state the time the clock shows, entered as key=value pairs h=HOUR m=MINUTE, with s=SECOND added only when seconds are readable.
h=12 m=4
